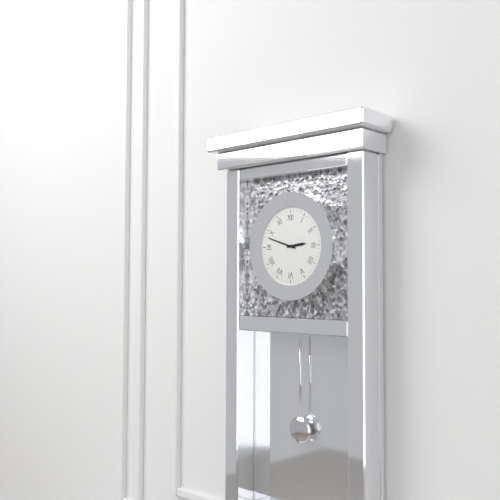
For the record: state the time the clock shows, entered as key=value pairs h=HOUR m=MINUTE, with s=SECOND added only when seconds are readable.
h=2 m=48
